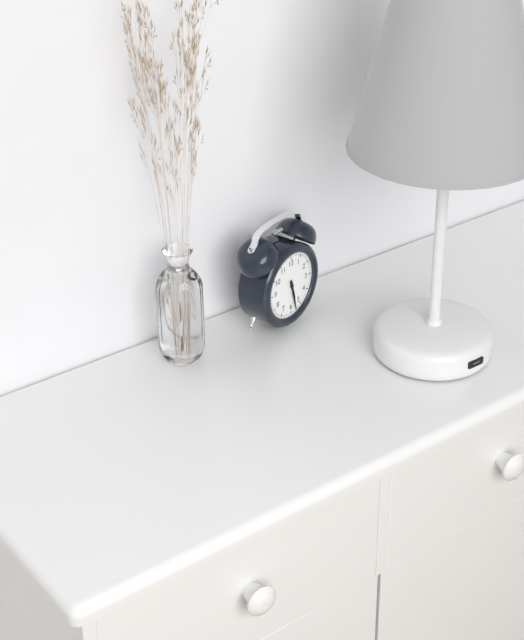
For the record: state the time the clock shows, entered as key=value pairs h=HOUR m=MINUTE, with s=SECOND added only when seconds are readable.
h=5 m=28
